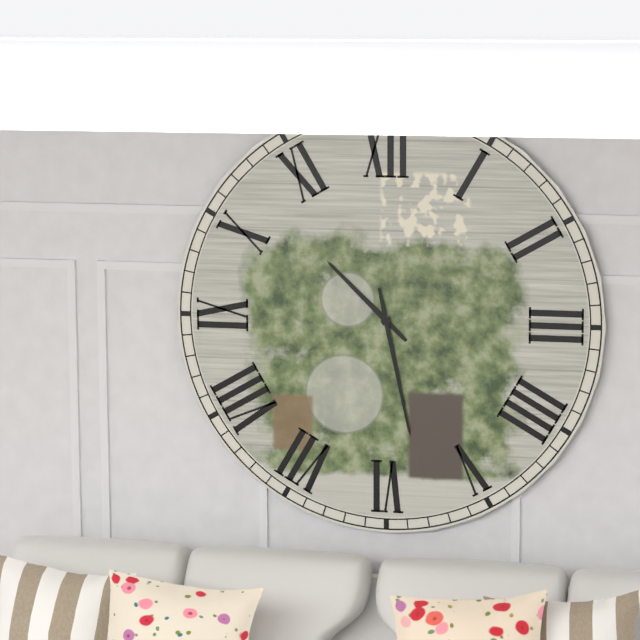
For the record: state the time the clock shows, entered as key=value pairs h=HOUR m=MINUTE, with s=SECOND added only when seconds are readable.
h=10 m=28
